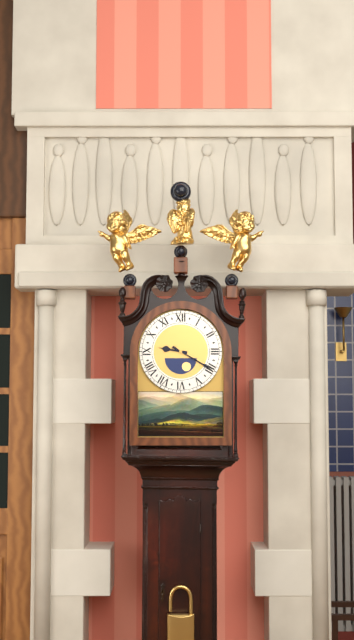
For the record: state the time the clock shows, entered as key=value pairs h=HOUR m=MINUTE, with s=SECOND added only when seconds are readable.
h=9 m=20
